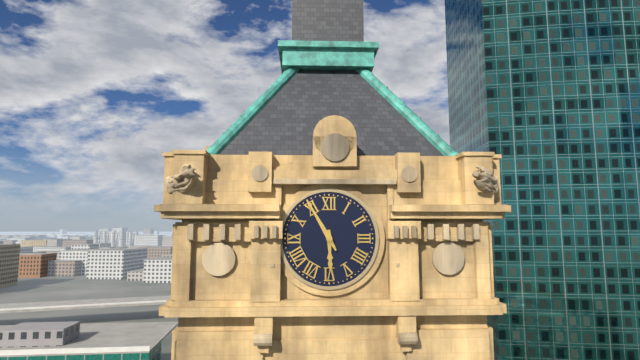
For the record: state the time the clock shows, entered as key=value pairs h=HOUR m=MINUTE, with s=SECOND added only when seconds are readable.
h=5 m=55
